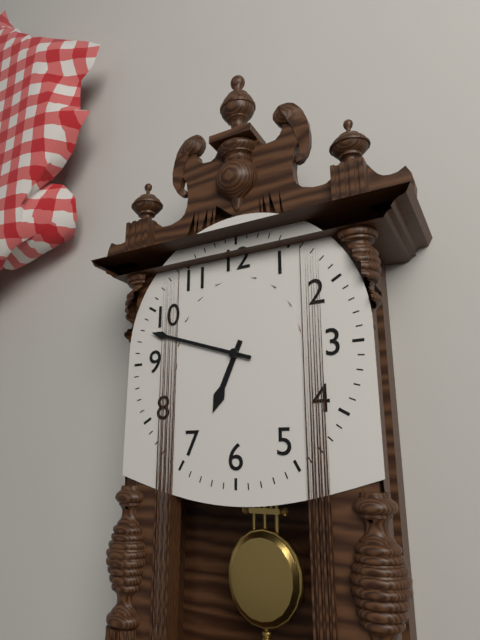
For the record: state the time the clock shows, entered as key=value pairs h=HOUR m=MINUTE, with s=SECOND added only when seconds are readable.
h=6 m=48
